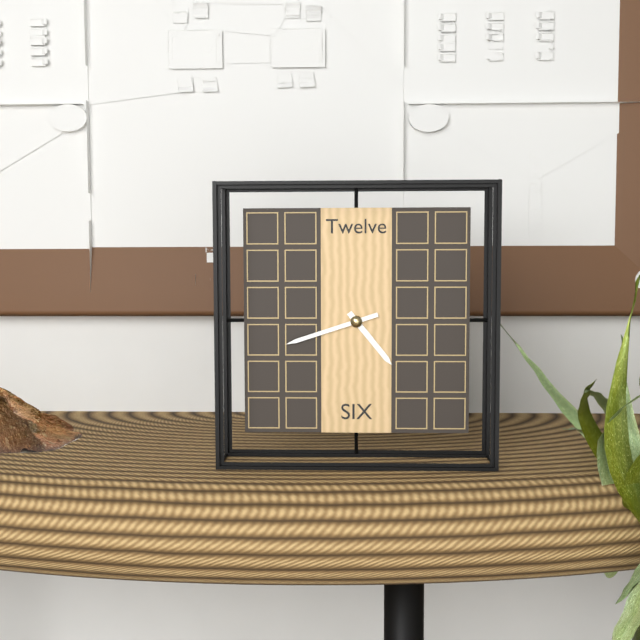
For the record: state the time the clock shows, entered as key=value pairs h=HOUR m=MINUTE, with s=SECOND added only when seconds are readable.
h=4 m=42
